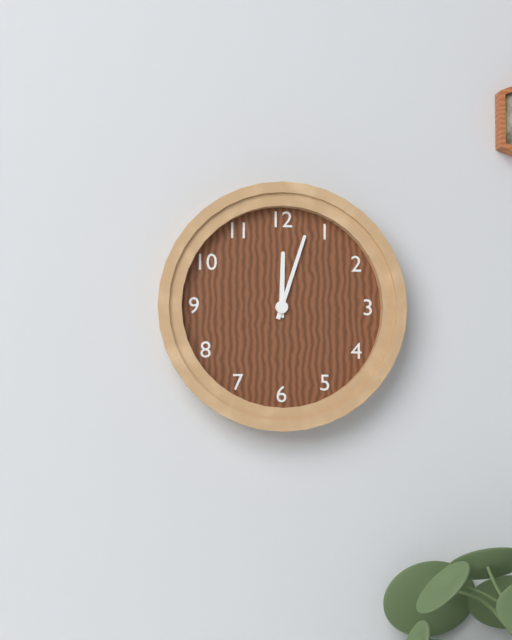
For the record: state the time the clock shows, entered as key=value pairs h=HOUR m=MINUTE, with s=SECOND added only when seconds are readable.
h=12 m=3
